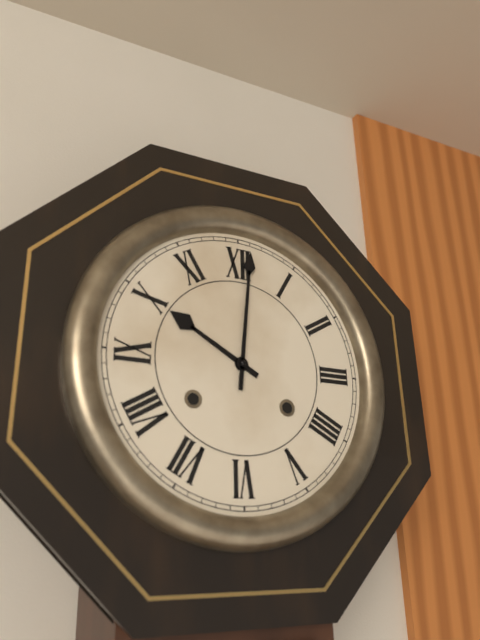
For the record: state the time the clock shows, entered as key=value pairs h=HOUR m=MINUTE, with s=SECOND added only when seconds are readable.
h=10 m=1
